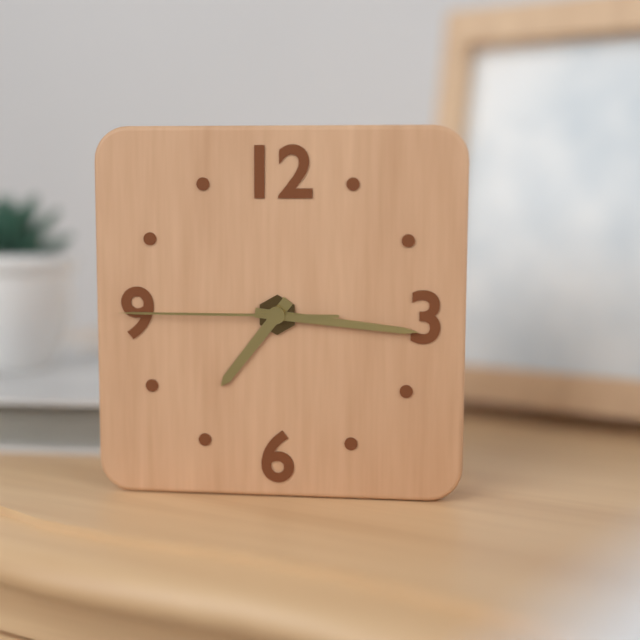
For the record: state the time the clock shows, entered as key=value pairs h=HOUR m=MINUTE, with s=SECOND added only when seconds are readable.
h=7 m=16 s=45
